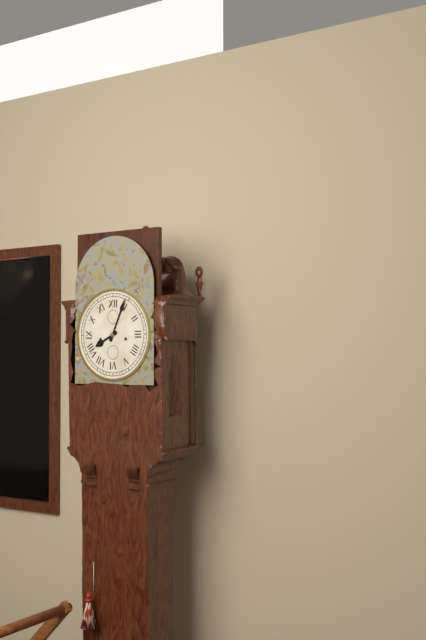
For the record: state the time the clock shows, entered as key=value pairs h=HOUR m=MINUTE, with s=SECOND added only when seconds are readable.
h=8 m=4
